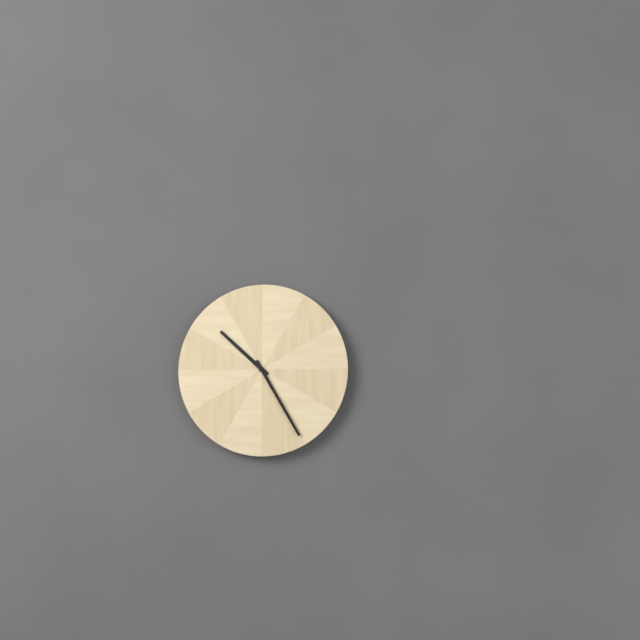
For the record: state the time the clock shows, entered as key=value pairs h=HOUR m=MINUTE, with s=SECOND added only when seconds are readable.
h=10 m=25
